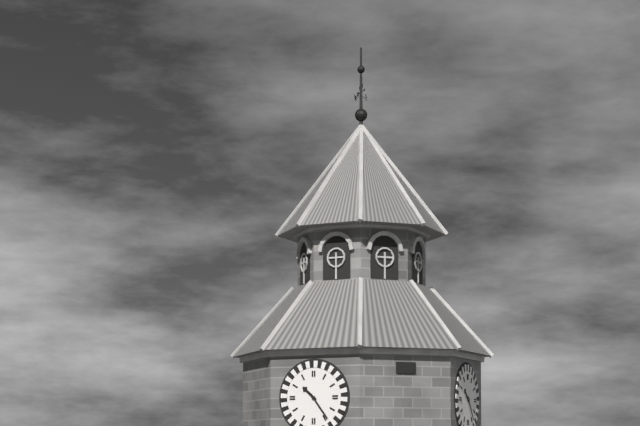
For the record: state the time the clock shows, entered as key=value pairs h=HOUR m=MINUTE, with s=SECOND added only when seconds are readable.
h=10 m=24
